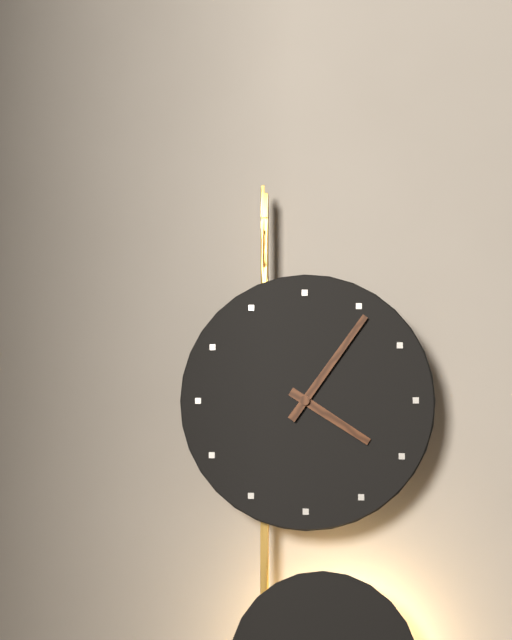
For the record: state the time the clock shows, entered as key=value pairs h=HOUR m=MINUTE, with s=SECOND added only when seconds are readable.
h=4 m=6
